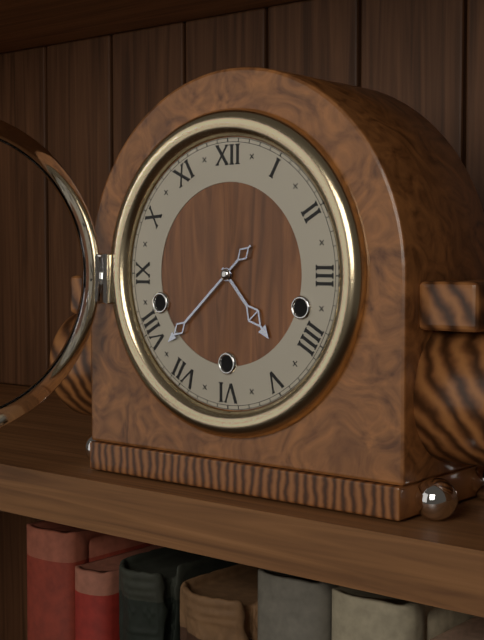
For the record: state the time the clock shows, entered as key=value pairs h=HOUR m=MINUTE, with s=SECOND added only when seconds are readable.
h=4 m=38
